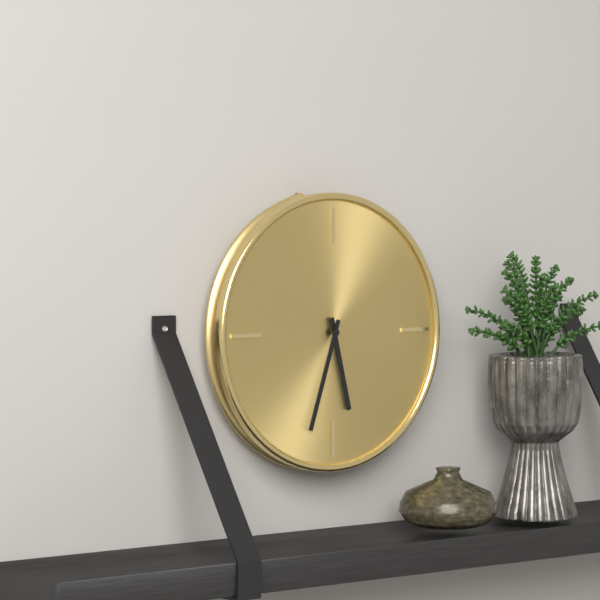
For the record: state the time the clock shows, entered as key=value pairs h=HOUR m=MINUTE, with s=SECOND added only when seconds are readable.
h=5 m=33
